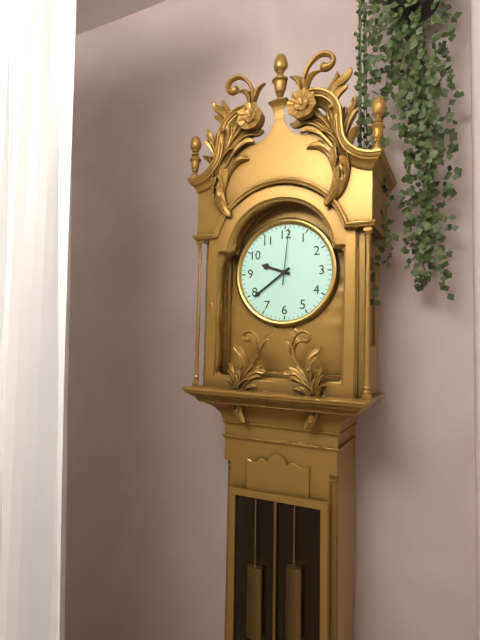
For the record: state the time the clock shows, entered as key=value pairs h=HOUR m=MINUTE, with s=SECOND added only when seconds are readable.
h=9 m=39 s=1
